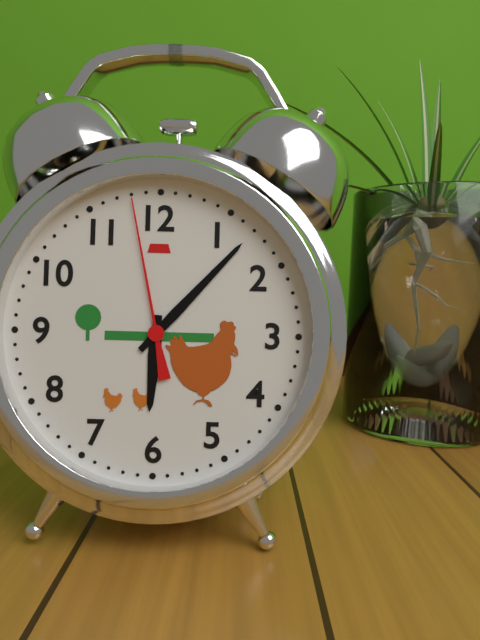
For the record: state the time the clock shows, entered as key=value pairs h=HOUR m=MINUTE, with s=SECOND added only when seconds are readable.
h=6 m=7 s=58
